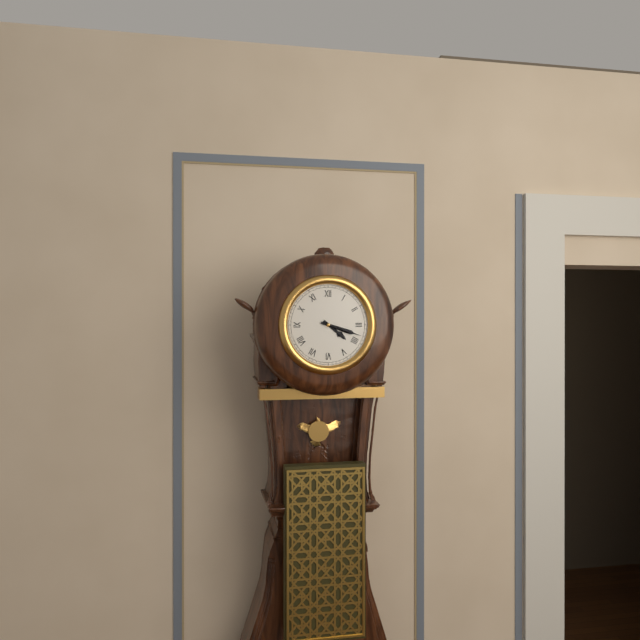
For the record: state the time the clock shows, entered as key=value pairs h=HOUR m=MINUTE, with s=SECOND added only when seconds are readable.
h=4 m=18
